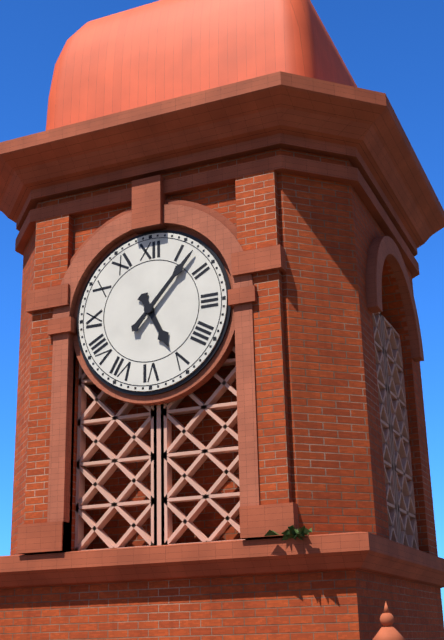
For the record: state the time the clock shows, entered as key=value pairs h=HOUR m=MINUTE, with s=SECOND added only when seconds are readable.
h=5 m=7
